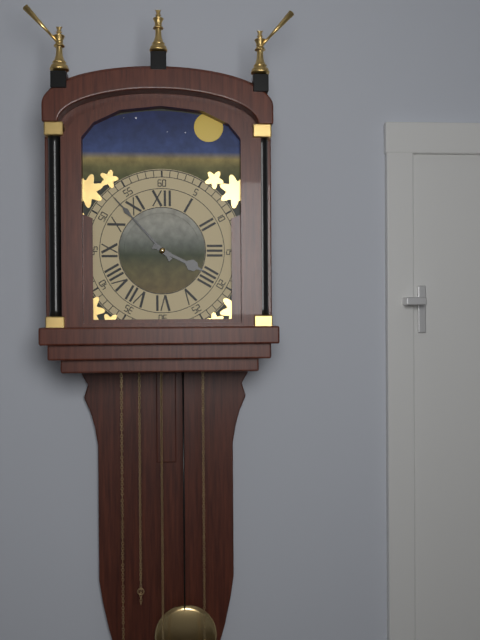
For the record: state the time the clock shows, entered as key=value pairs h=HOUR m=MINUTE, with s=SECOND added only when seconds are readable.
h=3 m=53
